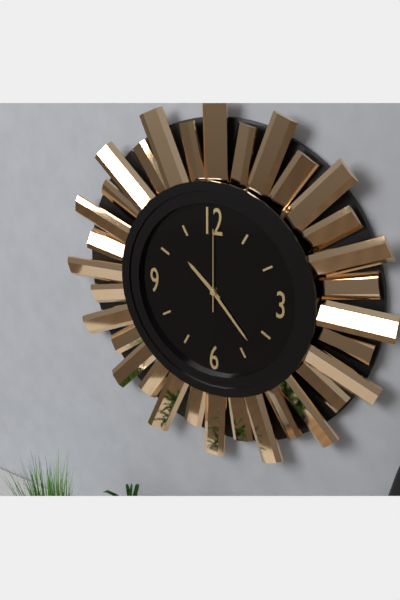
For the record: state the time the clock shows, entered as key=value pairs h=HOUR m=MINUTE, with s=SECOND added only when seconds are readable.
h=10 m=23 s=0
